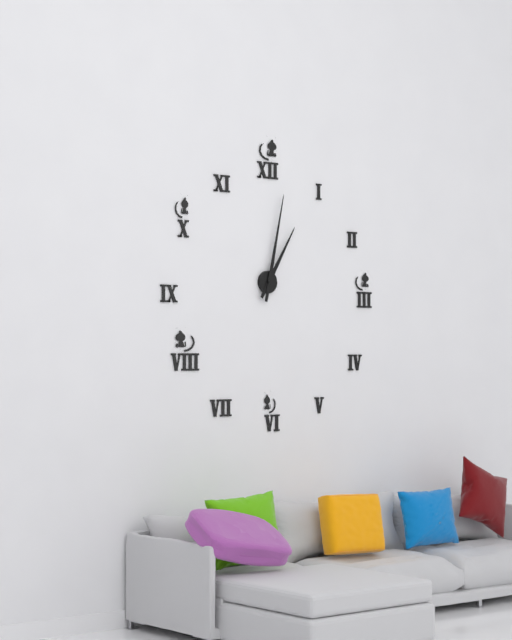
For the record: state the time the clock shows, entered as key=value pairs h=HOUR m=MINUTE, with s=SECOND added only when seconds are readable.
h=1 m=2
